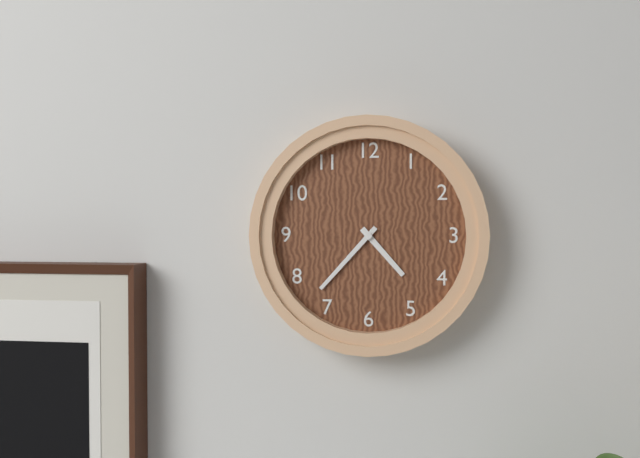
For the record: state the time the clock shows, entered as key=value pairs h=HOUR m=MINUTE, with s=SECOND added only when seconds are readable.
h=4 m=37
